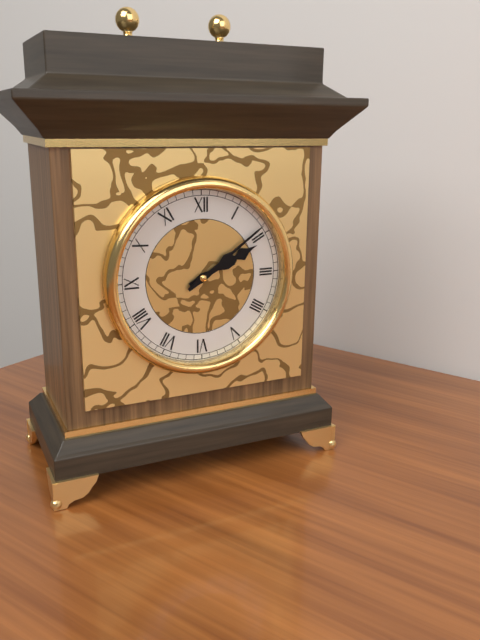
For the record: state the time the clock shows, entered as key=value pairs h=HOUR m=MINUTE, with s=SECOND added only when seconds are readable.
h=2 m=9
